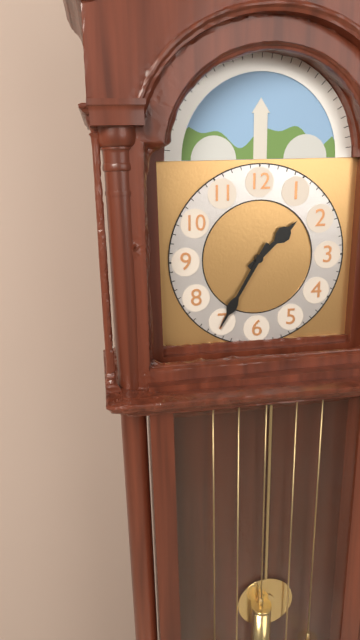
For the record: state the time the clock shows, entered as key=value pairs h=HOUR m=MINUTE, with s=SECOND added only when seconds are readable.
h=1 m=35
